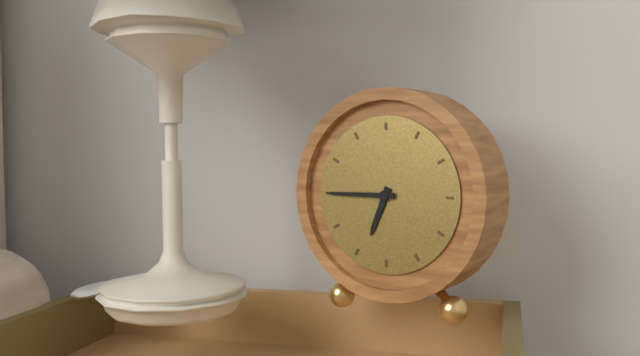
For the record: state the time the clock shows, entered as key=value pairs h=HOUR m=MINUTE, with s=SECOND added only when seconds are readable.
h=6 m=45
